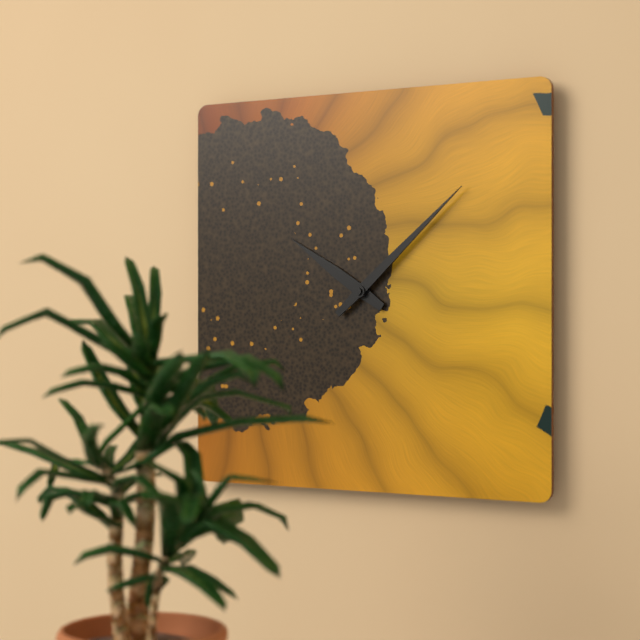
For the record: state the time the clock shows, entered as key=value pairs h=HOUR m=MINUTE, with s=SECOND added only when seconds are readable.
h=10 m=8
